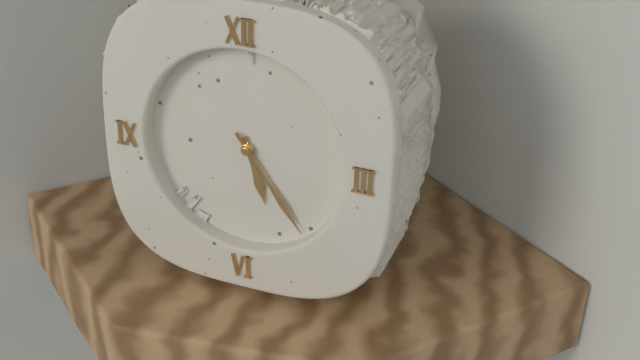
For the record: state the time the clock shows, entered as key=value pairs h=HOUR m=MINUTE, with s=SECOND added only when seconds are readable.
h=5 m=24
